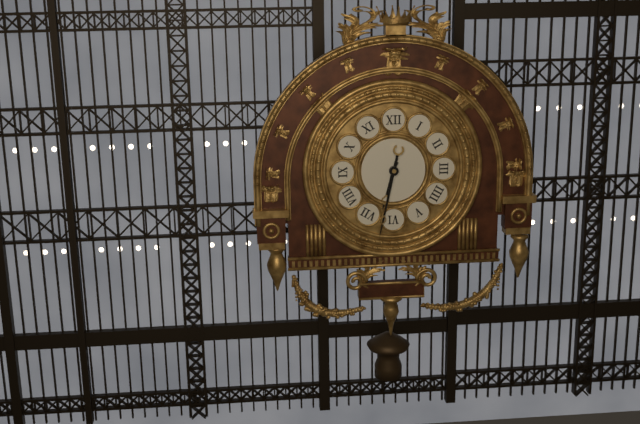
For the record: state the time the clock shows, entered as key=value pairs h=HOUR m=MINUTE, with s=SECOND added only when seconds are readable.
h=6 m=32
